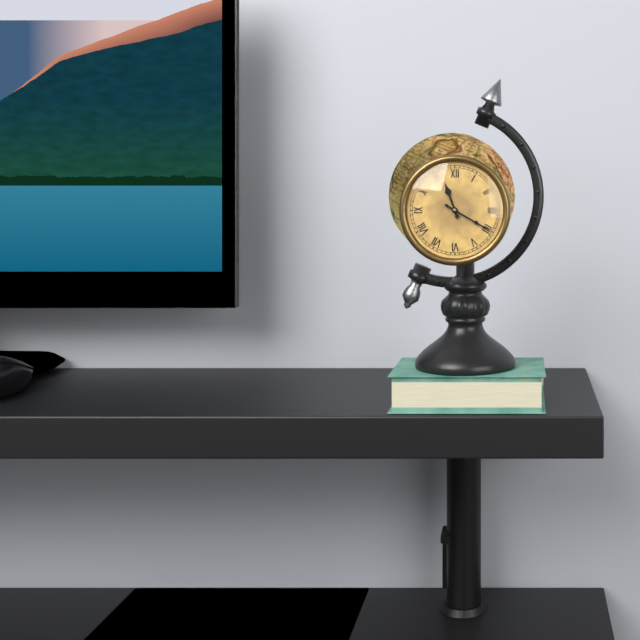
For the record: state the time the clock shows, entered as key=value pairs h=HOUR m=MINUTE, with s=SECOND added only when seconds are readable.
h=11 m=20
